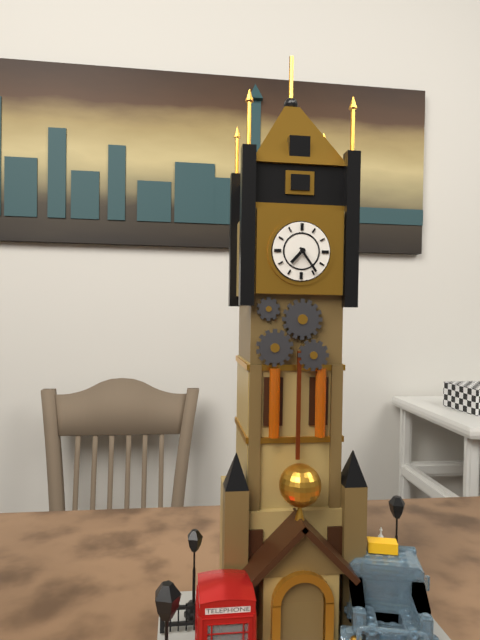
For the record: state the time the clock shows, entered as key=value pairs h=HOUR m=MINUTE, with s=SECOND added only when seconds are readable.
h=7 m=24
